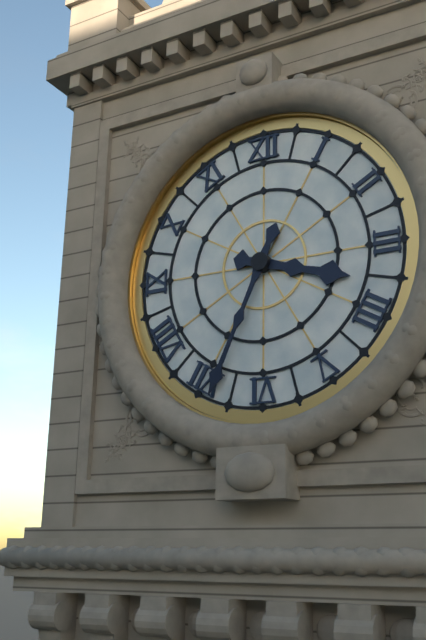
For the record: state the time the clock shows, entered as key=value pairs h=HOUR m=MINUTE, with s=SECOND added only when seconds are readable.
h=3 m=34
